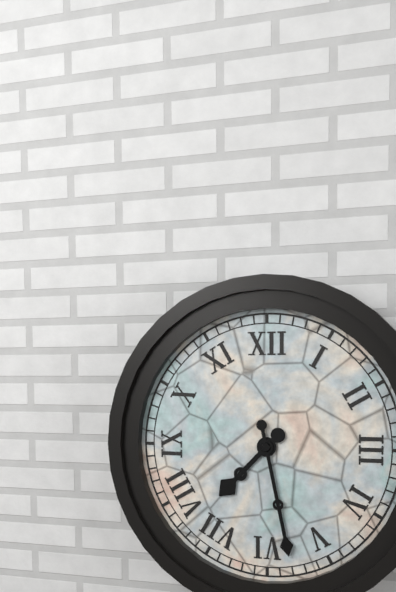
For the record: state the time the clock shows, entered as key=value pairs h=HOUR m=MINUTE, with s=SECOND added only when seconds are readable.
h=7 m=28
